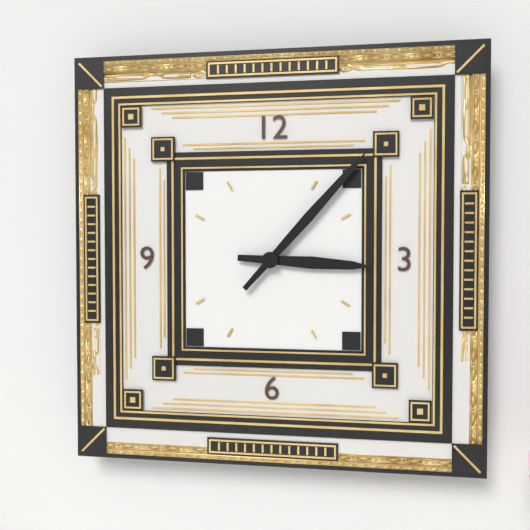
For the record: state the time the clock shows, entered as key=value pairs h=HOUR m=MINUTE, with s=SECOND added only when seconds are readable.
h=3 m=7
